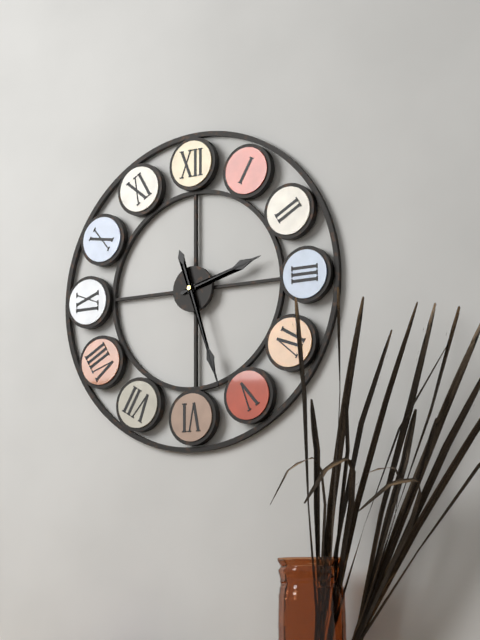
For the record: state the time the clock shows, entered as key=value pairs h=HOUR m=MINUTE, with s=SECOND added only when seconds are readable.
h=2 m=27
